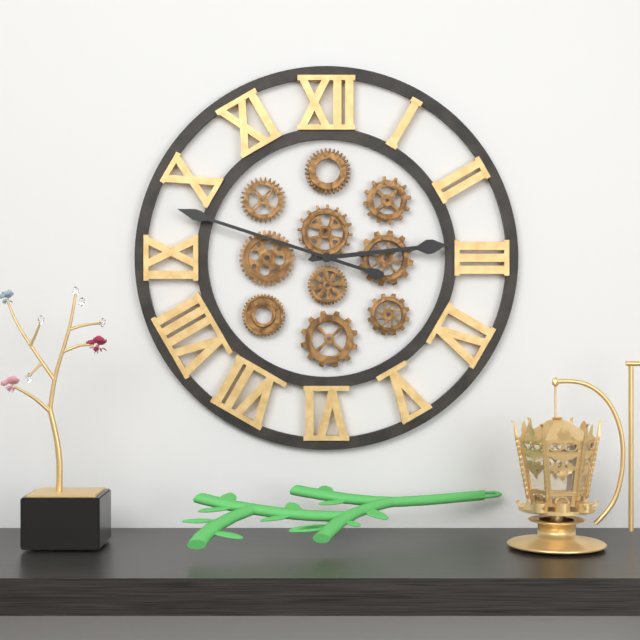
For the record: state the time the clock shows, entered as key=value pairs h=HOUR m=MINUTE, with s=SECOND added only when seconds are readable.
h=2 m=48
